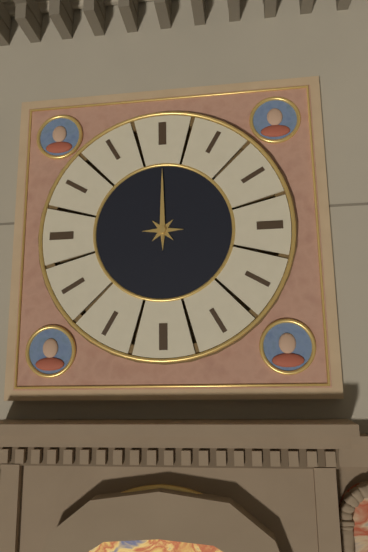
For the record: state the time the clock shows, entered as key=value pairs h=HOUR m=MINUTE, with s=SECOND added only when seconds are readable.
h=12 m=0
